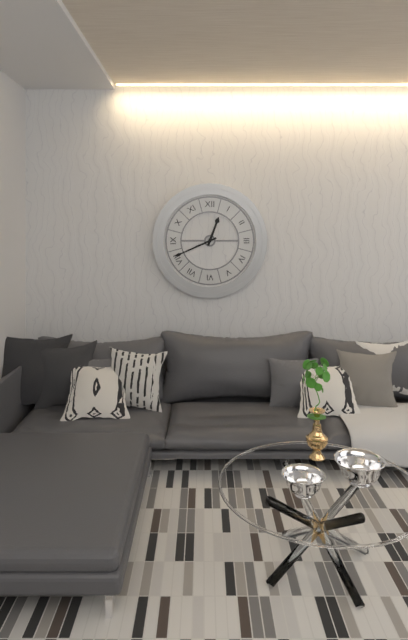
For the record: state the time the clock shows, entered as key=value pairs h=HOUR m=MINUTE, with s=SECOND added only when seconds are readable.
h=12 m=41
